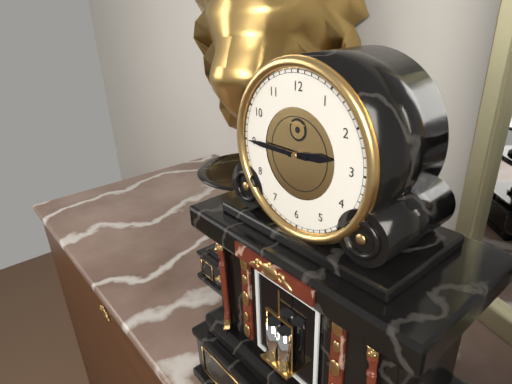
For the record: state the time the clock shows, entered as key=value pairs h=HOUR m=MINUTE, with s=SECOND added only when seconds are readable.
h=2 m=45
